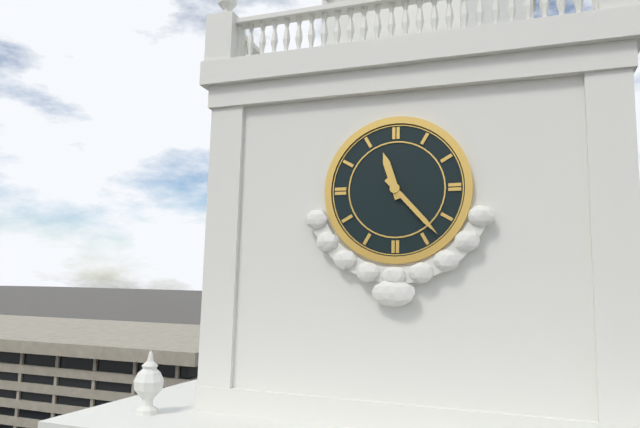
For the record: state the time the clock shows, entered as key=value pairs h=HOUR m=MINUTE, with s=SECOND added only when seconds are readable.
h=11 m=23
